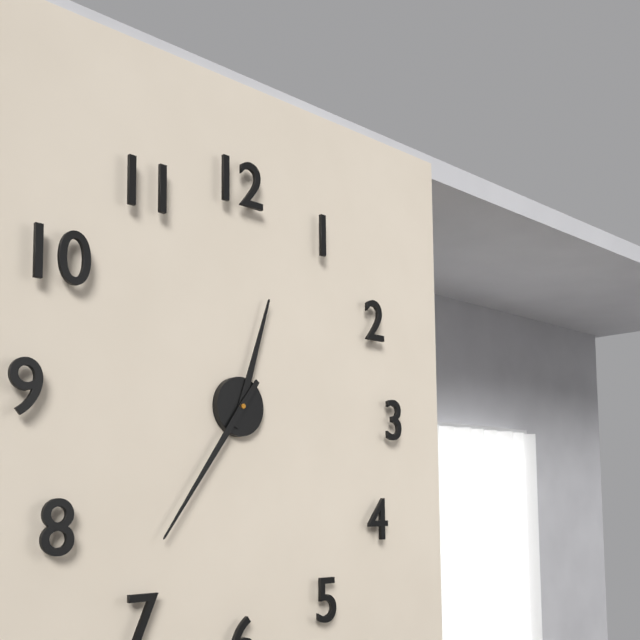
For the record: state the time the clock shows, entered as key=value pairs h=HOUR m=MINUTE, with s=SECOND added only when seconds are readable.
h=12 m=36
